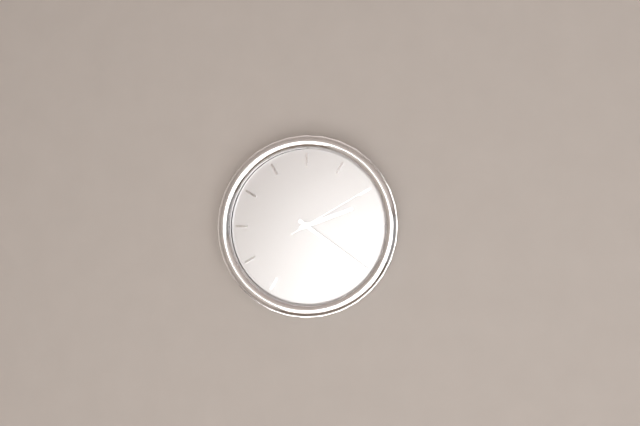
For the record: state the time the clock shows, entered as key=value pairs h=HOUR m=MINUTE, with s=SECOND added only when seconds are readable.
h=2 m=21 s=10
